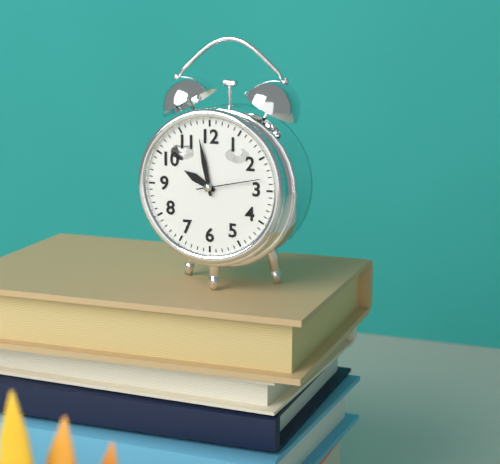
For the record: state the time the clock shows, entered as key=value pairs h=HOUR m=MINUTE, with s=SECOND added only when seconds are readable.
h=9 m=58 s=13
